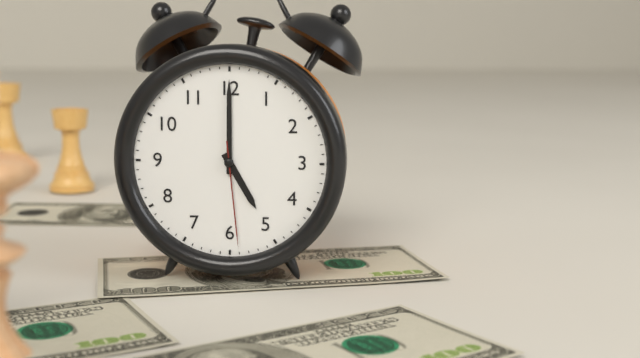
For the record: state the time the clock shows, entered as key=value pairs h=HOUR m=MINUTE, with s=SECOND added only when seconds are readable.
h=5 m=0 s=29
